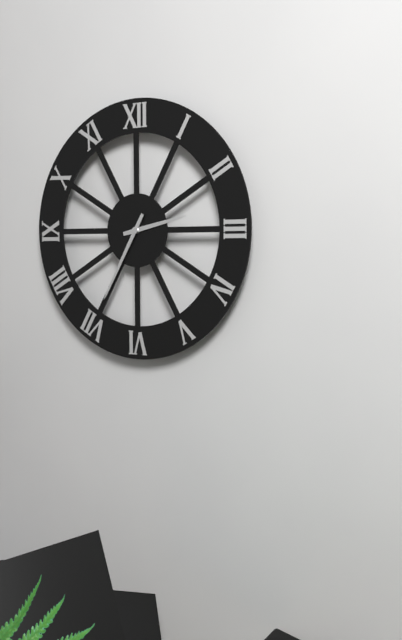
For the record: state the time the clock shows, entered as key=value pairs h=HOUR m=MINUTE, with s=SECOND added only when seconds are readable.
h=2 m=35
